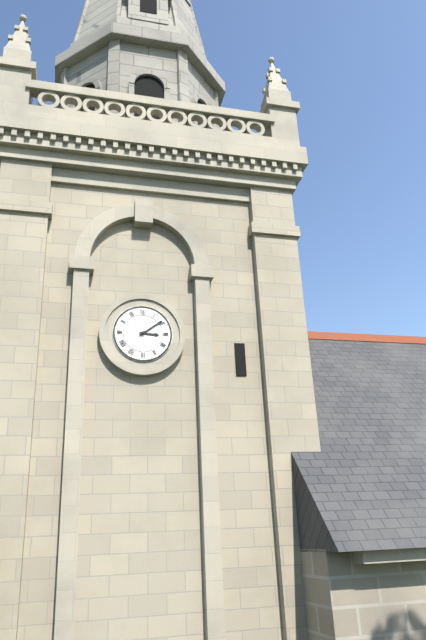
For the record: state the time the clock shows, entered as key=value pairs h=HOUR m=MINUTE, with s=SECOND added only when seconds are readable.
h=3 m=9
